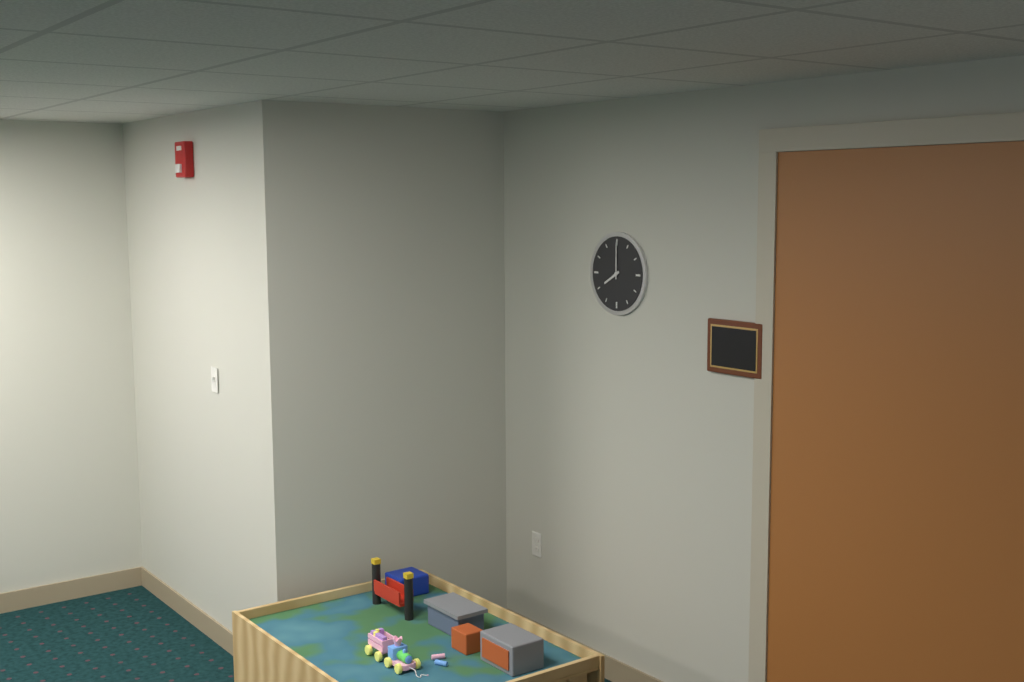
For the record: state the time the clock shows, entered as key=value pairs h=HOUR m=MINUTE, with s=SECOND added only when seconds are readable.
h=8 m=0
